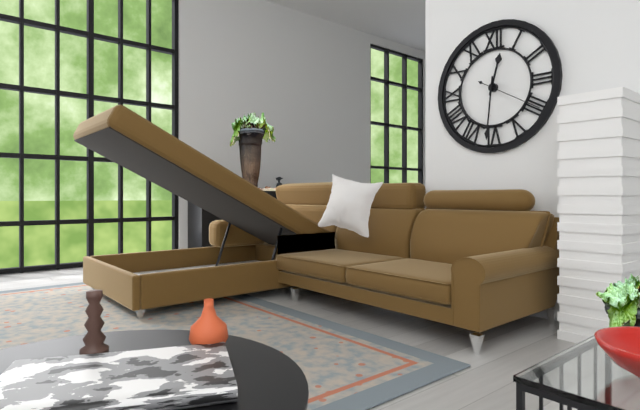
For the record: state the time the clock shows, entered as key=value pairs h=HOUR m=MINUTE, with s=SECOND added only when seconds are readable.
h=12 m=31 s=20
